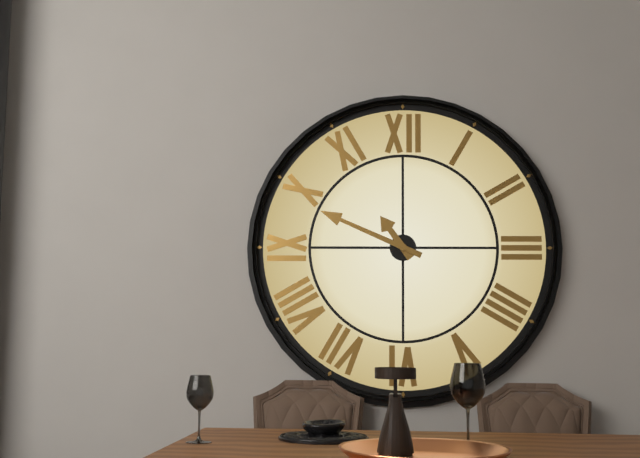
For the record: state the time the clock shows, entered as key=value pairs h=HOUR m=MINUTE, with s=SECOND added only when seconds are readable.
h=10 m=49
